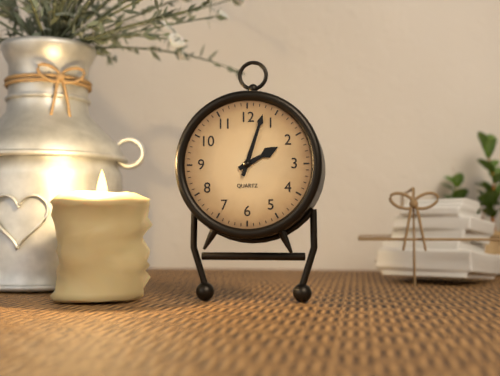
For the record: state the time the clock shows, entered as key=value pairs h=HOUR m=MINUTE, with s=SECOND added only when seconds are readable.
h=2 m=3
